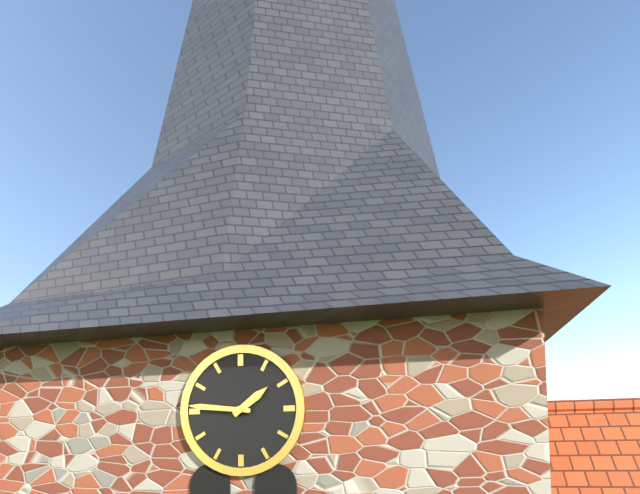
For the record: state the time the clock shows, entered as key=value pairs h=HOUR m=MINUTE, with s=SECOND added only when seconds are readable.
h=1 m=46
